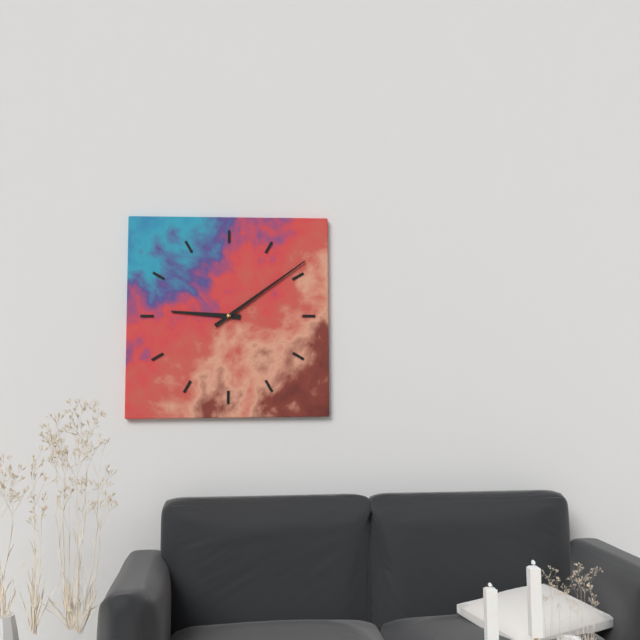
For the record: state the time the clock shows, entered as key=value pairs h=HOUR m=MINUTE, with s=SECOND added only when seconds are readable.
h=9 m=9
